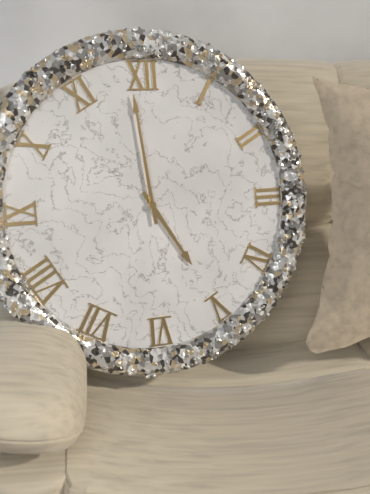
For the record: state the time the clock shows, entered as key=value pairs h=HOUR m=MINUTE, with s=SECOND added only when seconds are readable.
h=4 m=59
